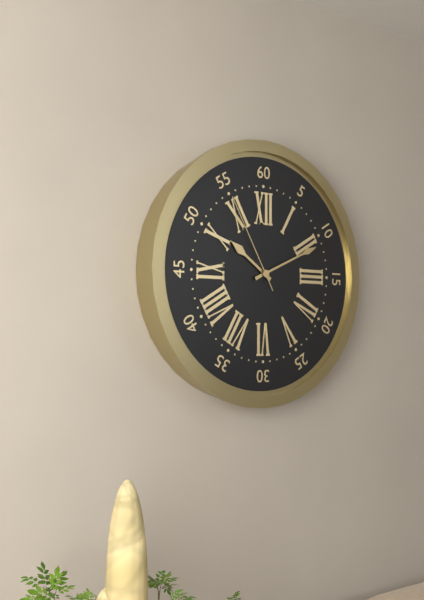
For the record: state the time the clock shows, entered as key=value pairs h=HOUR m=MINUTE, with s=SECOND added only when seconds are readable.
h=10 m=11 s=55
